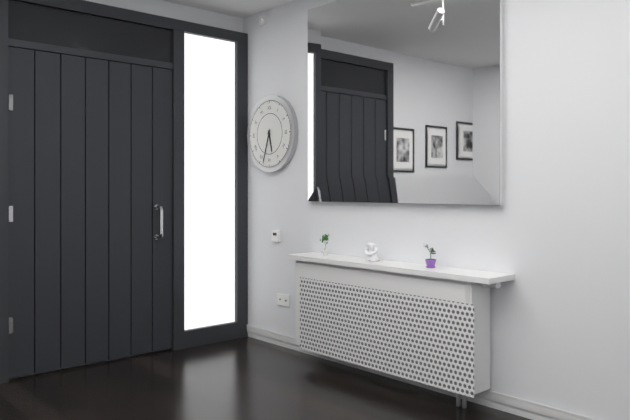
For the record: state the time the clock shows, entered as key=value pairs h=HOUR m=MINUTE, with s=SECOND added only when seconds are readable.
h=5 m=33
